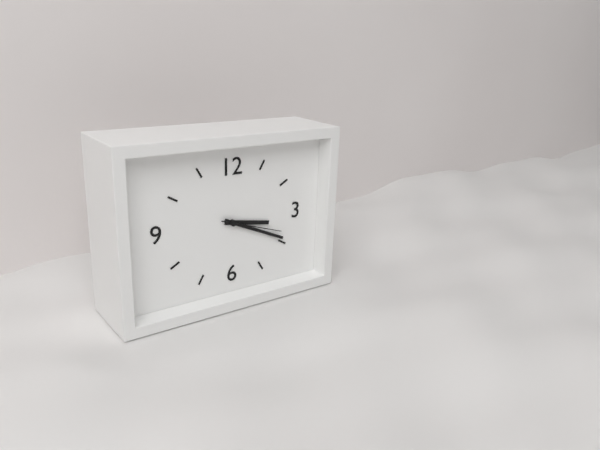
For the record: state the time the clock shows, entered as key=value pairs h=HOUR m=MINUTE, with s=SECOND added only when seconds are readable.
h=3 m=19 s=18
